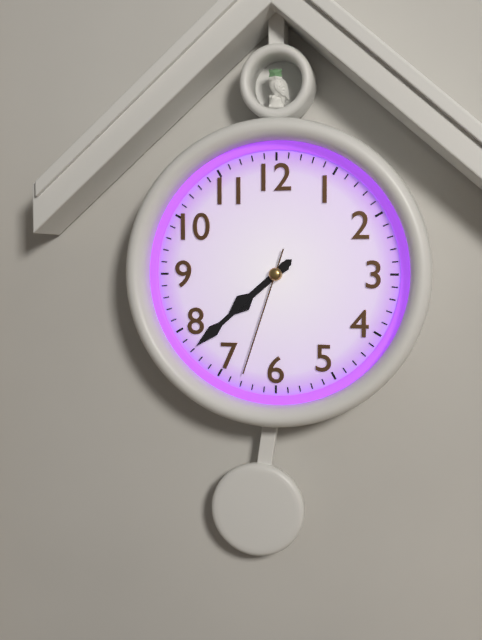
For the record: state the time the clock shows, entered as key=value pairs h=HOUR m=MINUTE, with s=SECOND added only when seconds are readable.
h=7 m=38 s=33
